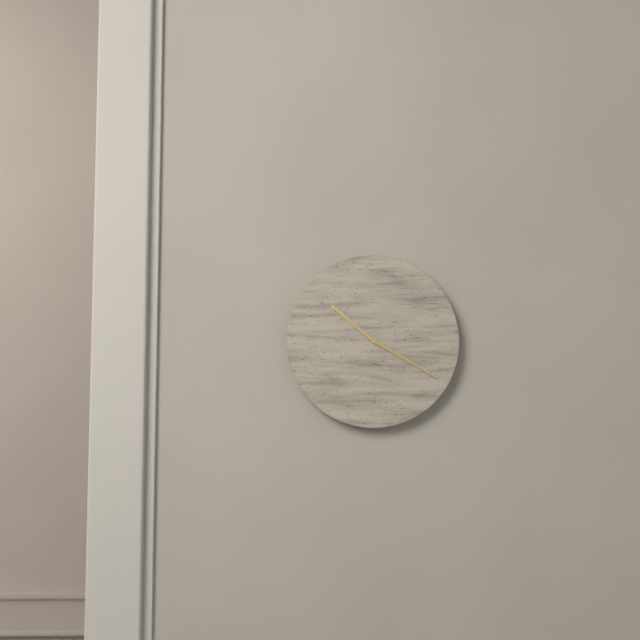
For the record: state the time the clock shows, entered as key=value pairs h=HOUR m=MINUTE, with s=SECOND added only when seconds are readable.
h=10 m=20
